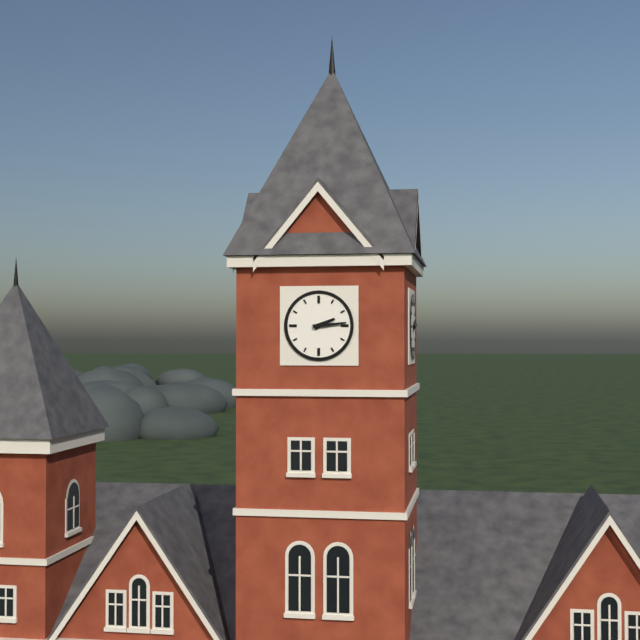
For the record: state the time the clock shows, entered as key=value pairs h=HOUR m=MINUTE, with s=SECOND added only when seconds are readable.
h=2 m=14
